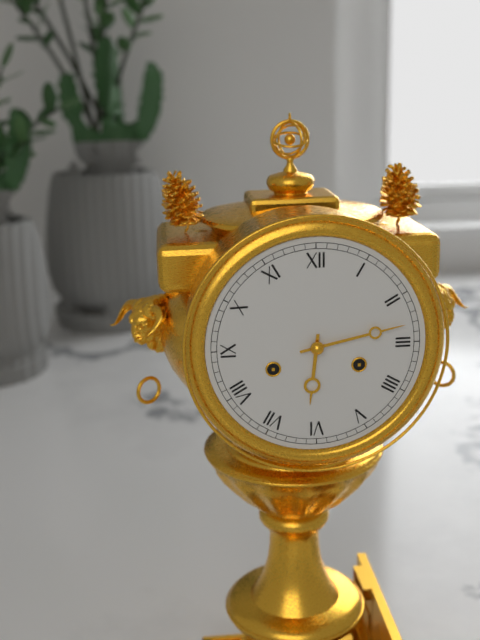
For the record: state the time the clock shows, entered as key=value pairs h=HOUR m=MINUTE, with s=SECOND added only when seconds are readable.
h=6 m=13
